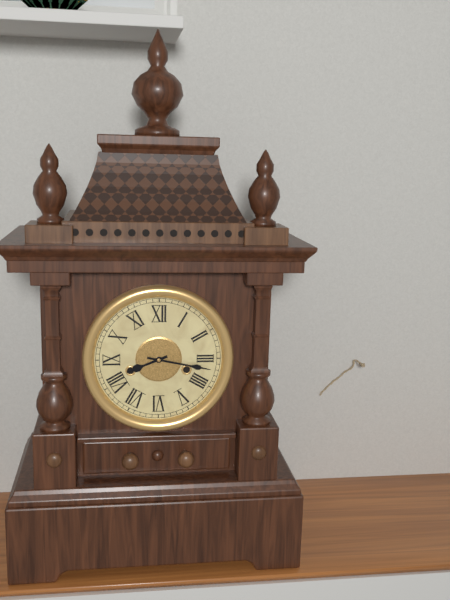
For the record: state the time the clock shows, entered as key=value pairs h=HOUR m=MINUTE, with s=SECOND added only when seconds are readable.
h=8 m=17
